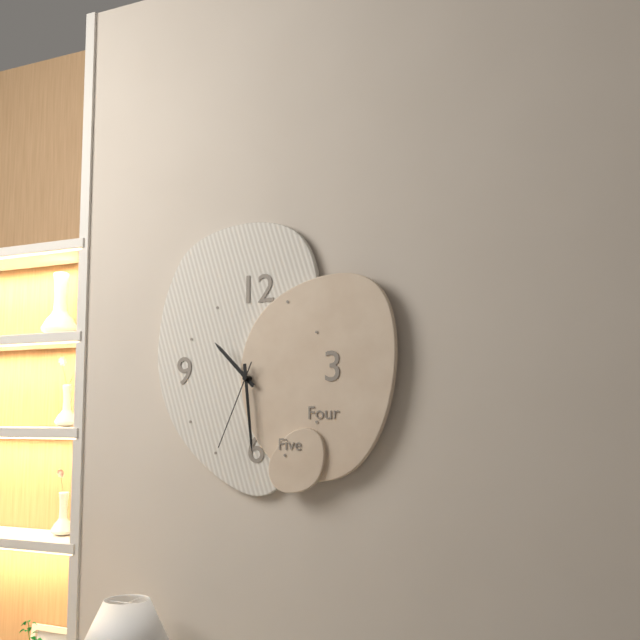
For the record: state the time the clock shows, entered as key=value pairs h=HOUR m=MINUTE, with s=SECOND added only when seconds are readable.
h=10 m=29 s=34
